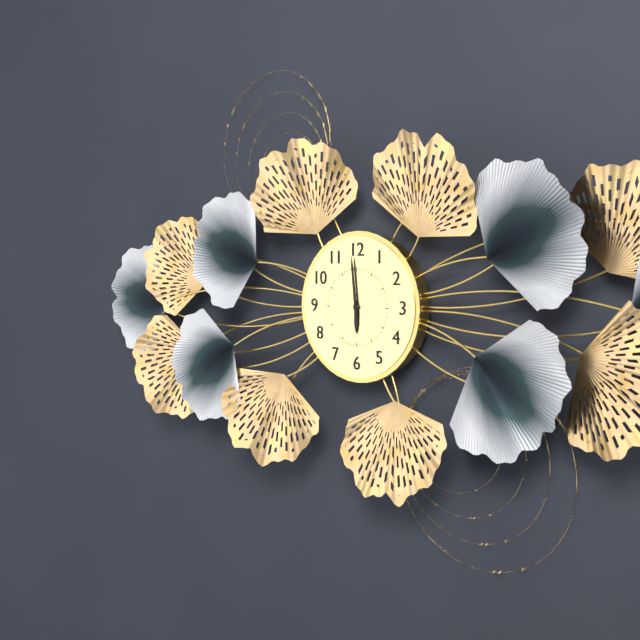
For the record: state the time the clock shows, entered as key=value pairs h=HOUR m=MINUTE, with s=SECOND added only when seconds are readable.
h=5 m=59
